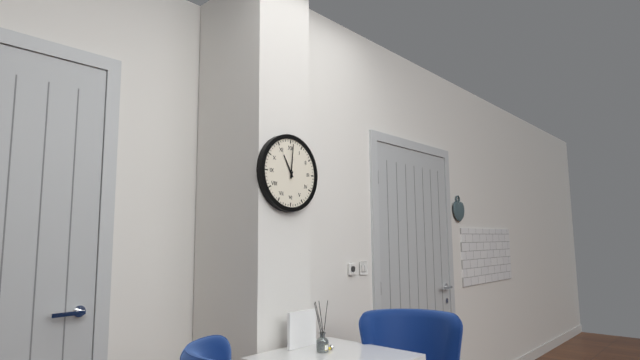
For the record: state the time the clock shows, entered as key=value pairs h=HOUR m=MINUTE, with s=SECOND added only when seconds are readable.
h=11 m=1
